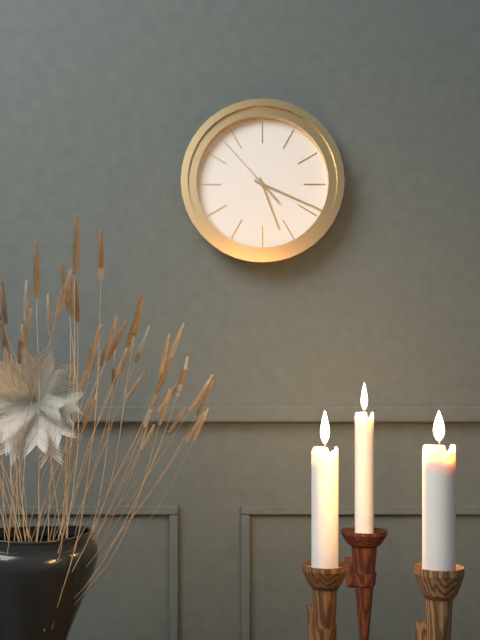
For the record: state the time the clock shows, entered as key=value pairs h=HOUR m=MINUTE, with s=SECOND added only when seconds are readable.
h=5 m=19 s=53
